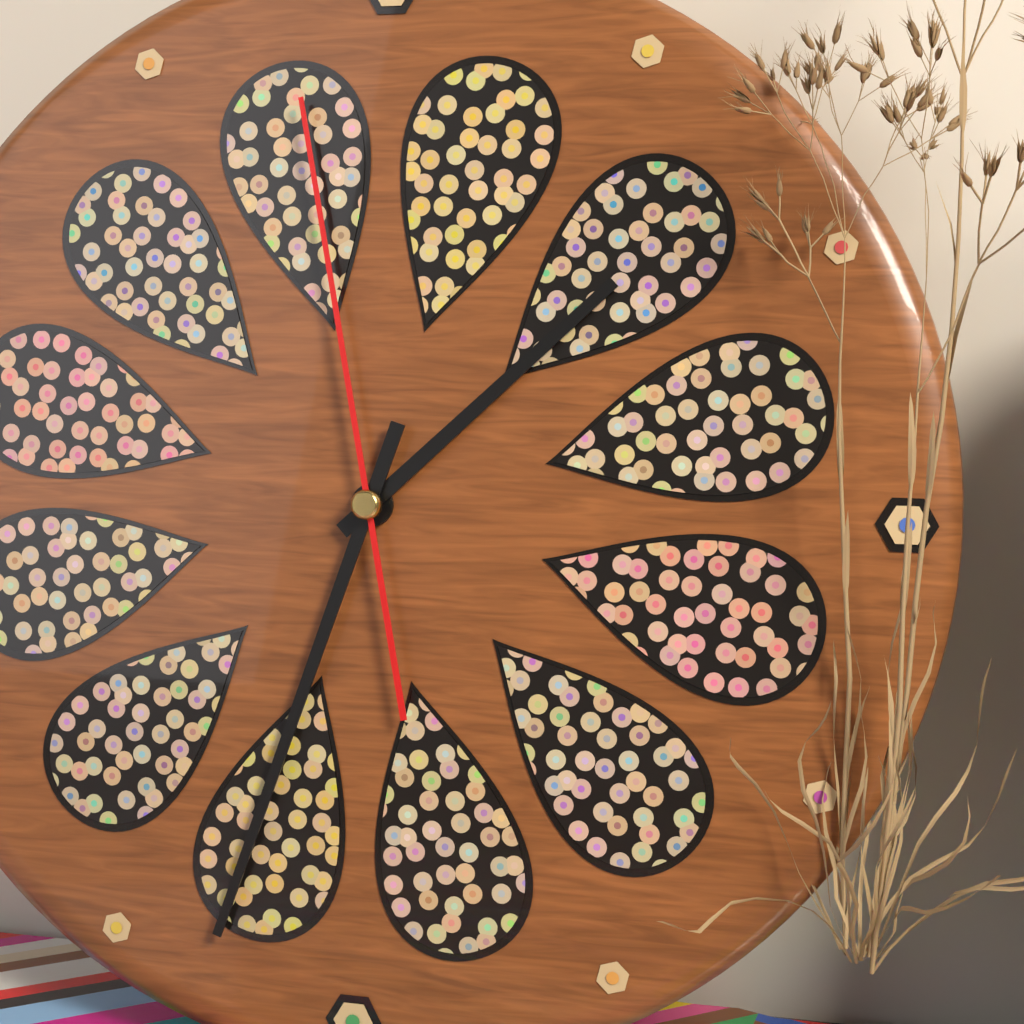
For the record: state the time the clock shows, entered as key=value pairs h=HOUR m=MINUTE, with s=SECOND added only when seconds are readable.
h=1 m=33 s=58
